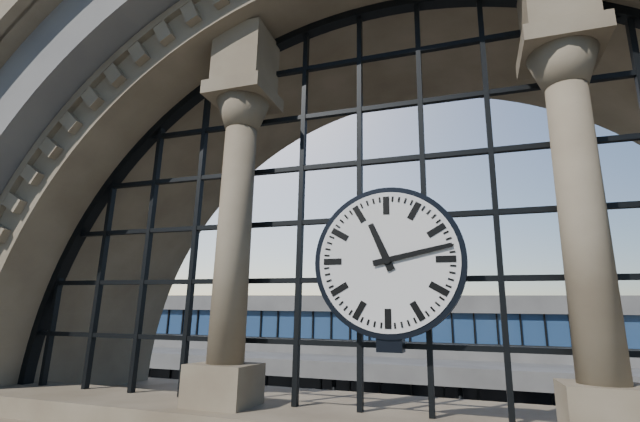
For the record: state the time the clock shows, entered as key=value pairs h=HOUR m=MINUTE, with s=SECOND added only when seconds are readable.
h=11 m=13
